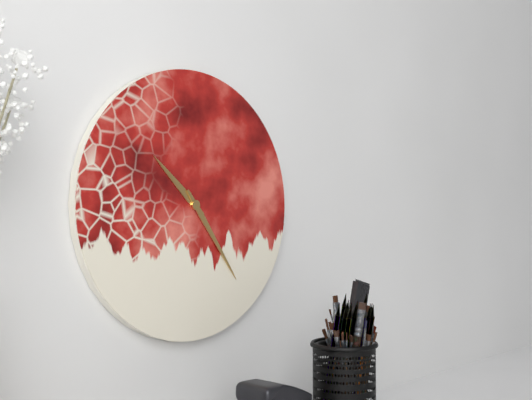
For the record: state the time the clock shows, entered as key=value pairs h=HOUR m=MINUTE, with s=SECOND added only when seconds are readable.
h=10 m=24
